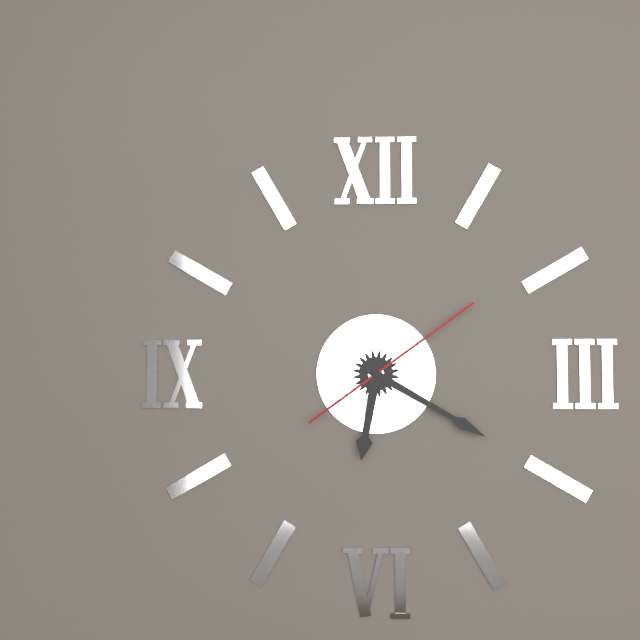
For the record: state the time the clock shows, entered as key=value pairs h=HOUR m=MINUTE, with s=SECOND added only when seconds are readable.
h=6 m=20 s=9
